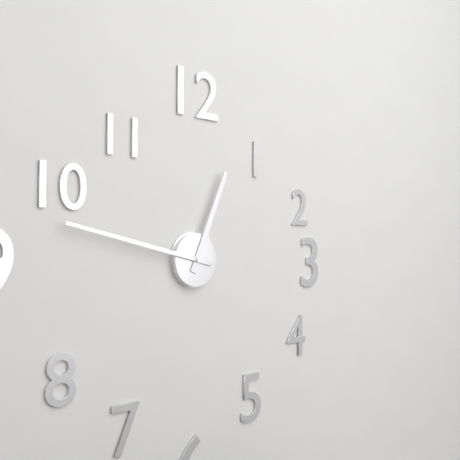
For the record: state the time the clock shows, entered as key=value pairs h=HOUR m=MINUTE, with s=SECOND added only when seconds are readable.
h=12 m=47
